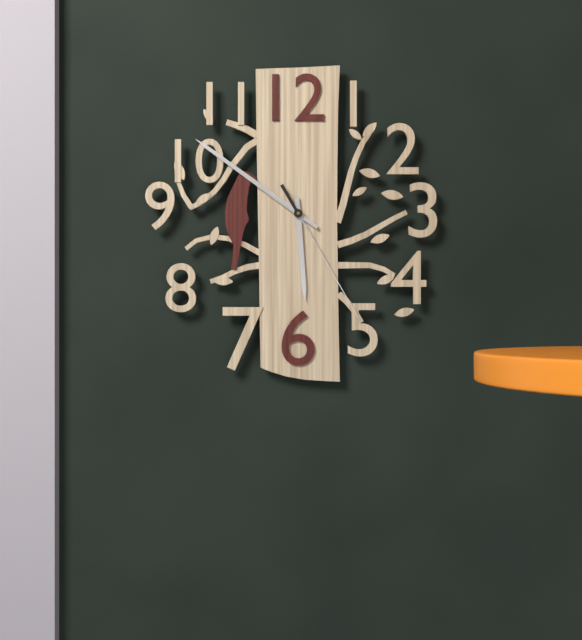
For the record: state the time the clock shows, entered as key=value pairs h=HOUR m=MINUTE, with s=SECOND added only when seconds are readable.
h=5 m=51 s=25
